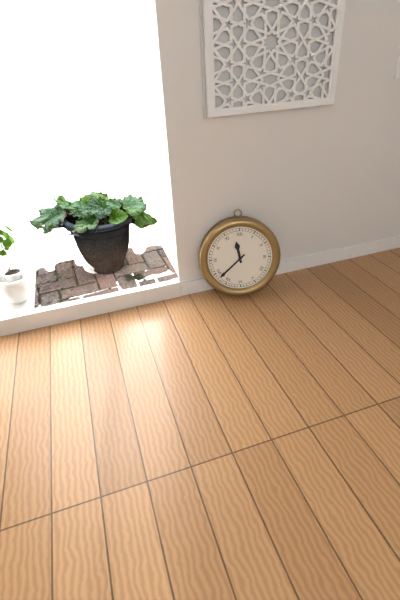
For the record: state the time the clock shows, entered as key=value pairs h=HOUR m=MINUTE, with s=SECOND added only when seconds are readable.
h=11 m=38
